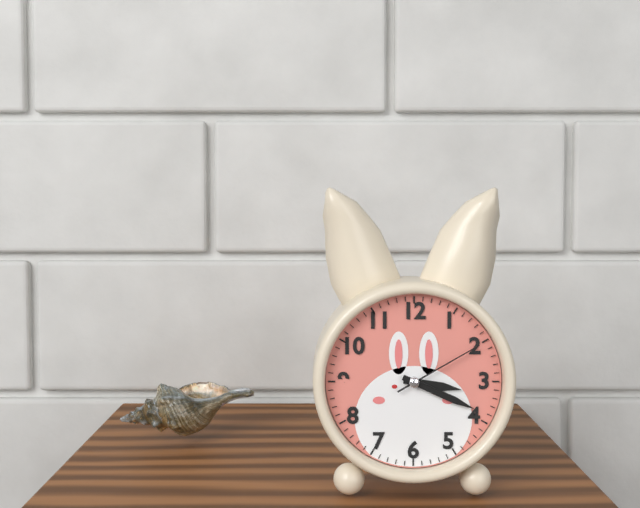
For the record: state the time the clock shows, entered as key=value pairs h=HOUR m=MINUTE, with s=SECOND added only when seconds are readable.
h=3 m=19 s=10
